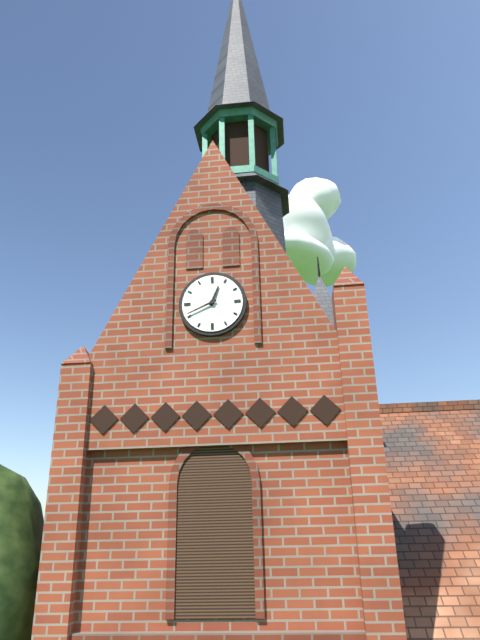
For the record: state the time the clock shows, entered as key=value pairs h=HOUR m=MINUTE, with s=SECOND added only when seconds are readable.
h=12 m=41
